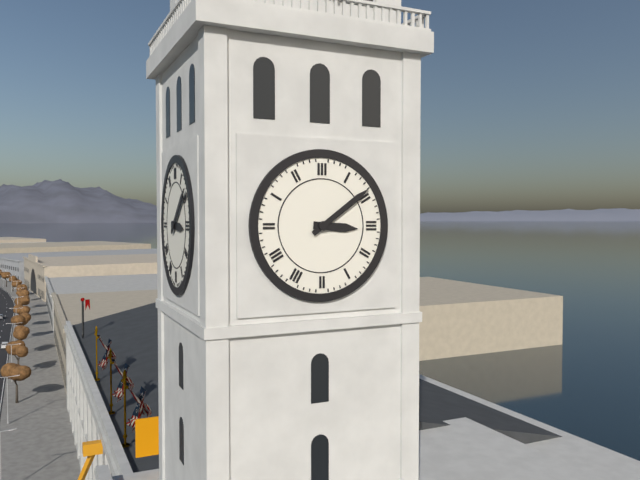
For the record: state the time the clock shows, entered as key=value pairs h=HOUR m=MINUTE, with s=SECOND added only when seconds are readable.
h=3 m=9
